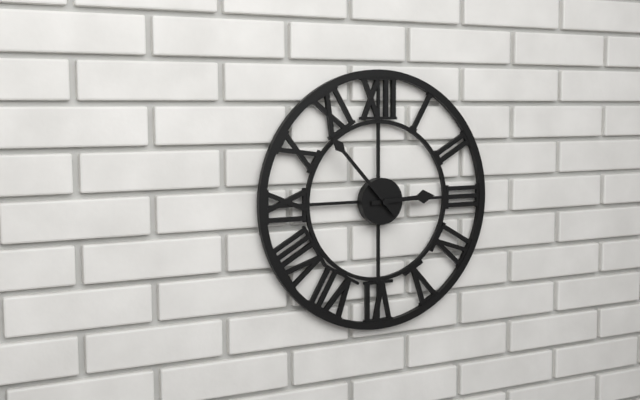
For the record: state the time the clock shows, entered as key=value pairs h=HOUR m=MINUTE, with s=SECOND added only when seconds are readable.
h=2 m=53
